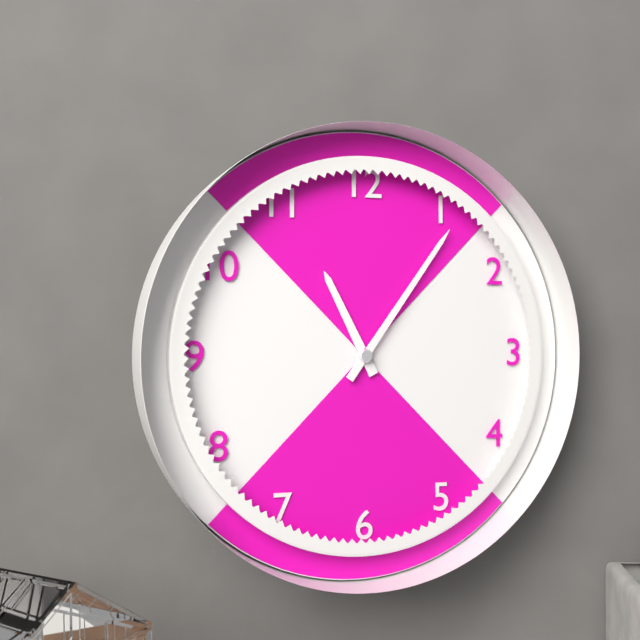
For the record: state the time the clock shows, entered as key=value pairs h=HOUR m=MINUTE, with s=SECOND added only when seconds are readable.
h=11 m=6
